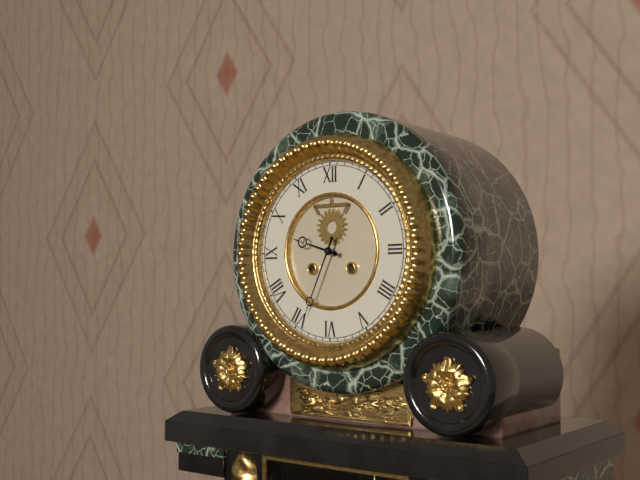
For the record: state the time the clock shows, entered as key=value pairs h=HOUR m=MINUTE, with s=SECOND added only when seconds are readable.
h=9 m=34
